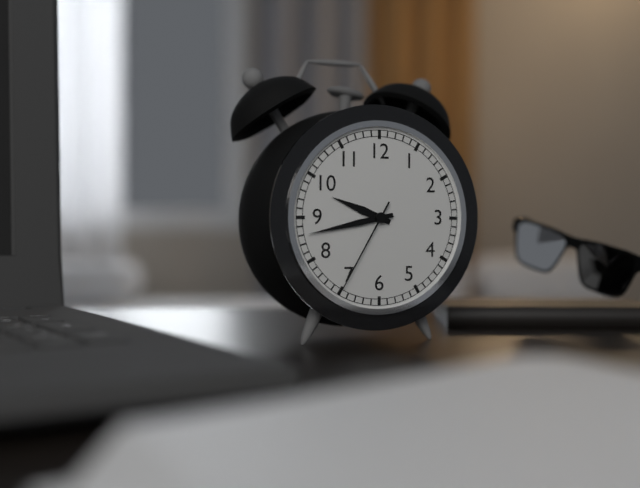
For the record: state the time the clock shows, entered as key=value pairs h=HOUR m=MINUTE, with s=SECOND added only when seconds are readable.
h=9 m=43 s=35
